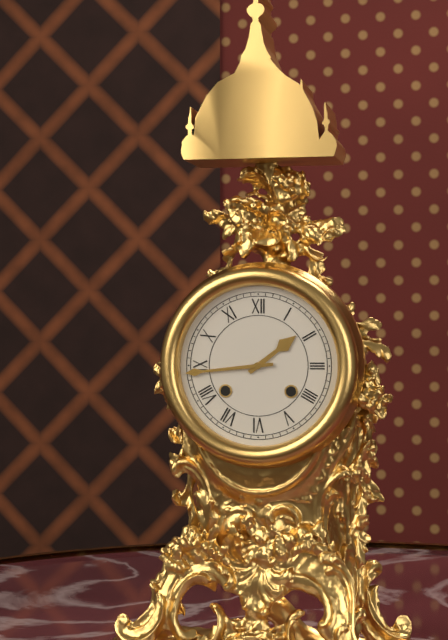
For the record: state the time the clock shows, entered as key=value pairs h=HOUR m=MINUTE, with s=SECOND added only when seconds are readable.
h=1 m=44
